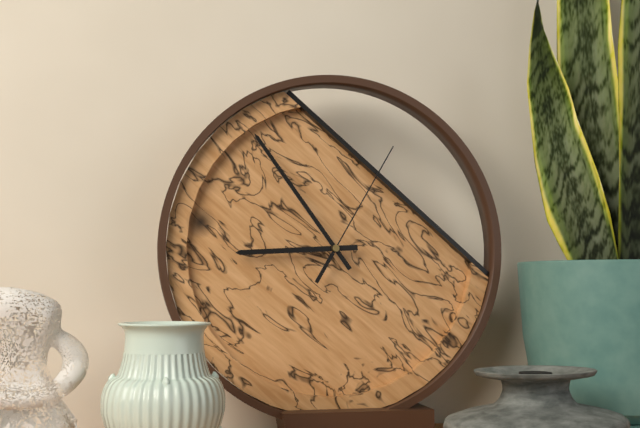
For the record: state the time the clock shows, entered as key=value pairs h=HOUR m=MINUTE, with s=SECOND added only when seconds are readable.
h=8 m=54 s=5
